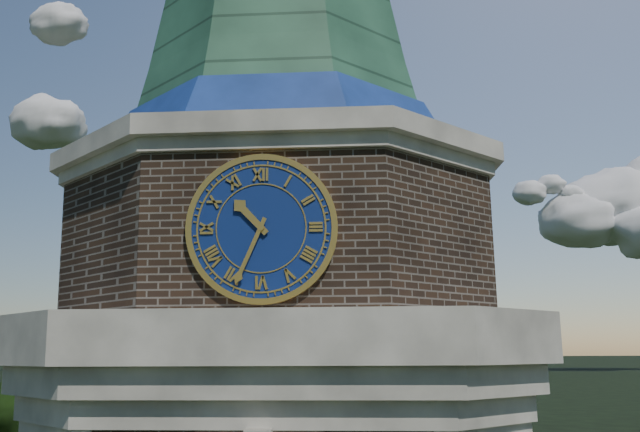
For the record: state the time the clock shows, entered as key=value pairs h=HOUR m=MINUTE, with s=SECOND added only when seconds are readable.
h=10 m=34
